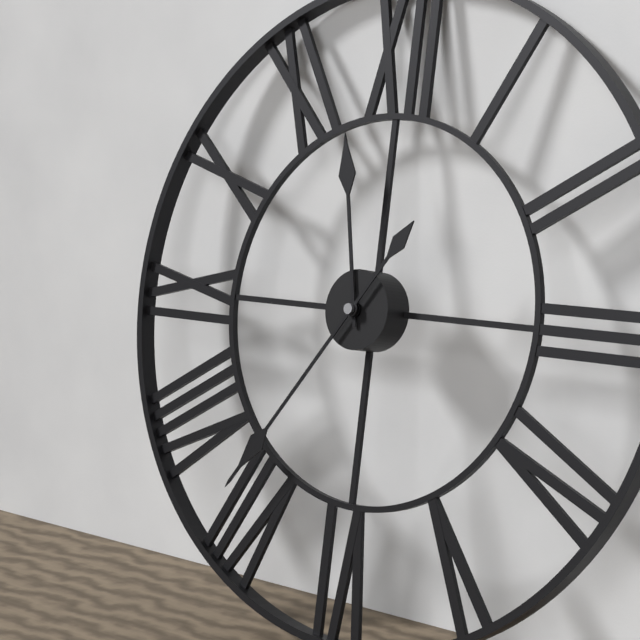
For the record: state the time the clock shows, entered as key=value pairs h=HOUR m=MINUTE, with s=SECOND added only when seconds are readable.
h=11 m=36
